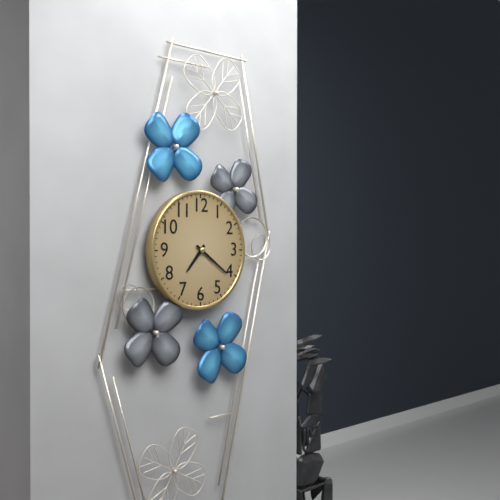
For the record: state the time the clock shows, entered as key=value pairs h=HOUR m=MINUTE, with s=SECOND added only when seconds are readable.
h=7 m=21
